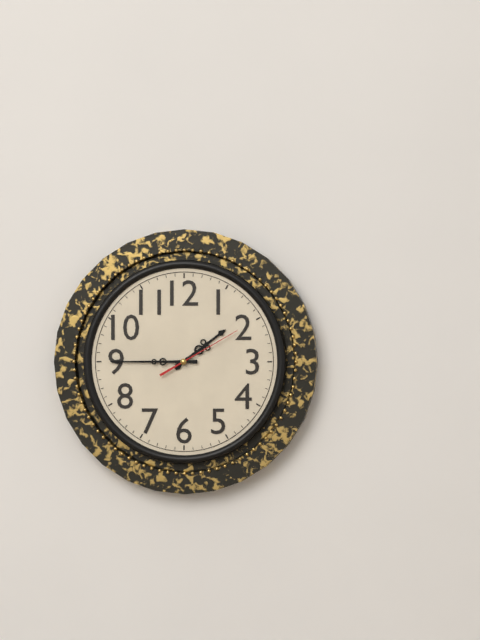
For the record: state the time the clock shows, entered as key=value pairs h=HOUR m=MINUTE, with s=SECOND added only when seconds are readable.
h=1 m=45 s=10
